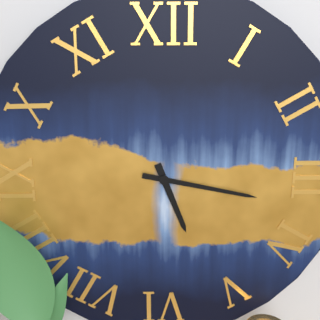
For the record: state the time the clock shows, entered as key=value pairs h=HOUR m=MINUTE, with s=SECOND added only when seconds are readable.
h=5 m=17
